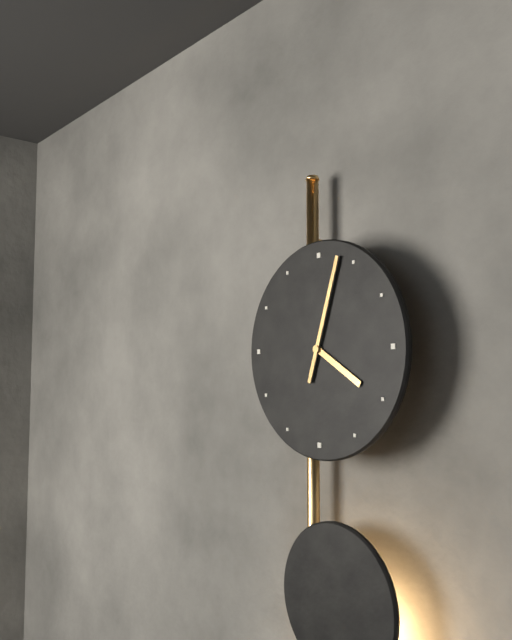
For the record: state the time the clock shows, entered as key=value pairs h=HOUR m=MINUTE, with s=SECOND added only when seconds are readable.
h=4 m=3
